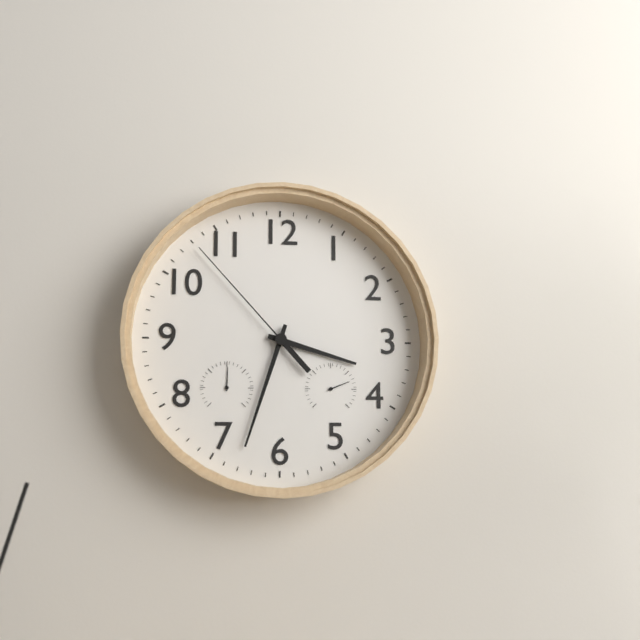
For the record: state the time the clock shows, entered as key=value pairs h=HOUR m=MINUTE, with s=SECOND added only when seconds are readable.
h=3 m=33 s=53
